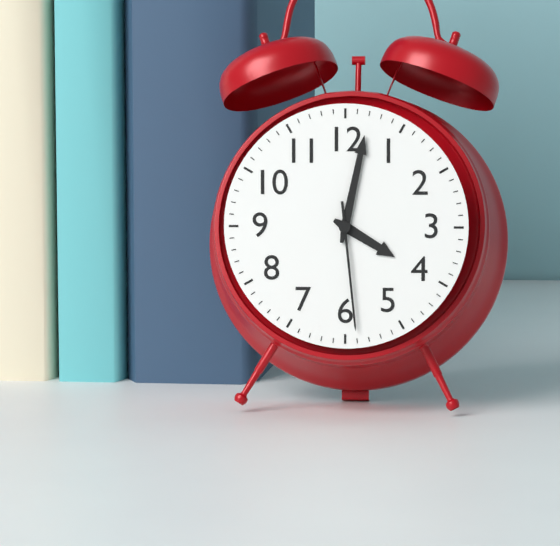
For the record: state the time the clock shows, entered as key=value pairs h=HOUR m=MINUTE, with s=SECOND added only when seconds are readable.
h=4 m=2 s=29
